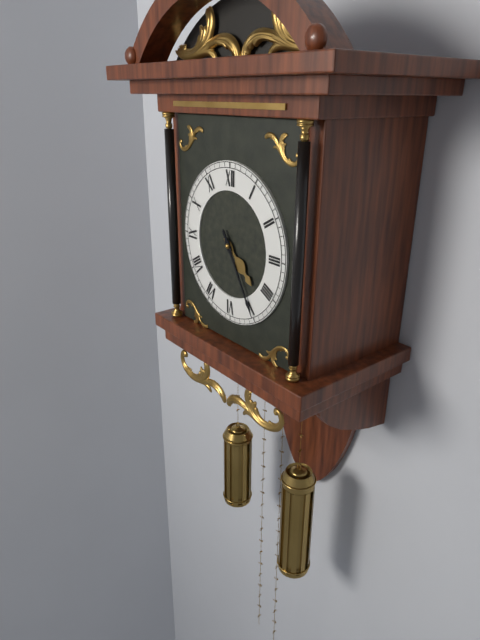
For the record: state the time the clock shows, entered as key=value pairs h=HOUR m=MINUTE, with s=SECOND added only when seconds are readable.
h=4 m=25
